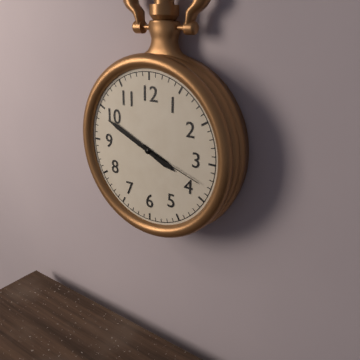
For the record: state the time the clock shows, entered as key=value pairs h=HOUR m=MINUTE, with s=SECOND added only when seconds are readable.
h=3 m=49 s=18
